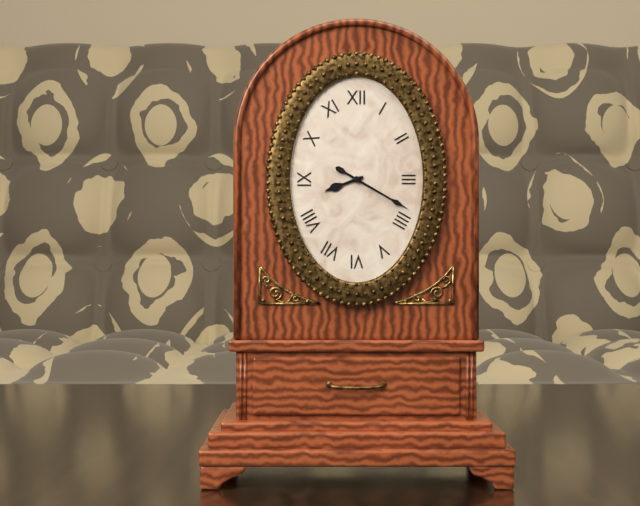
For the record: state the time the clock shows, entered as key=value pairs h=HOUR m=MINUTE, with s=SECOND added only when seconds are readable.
h=8 m=20
